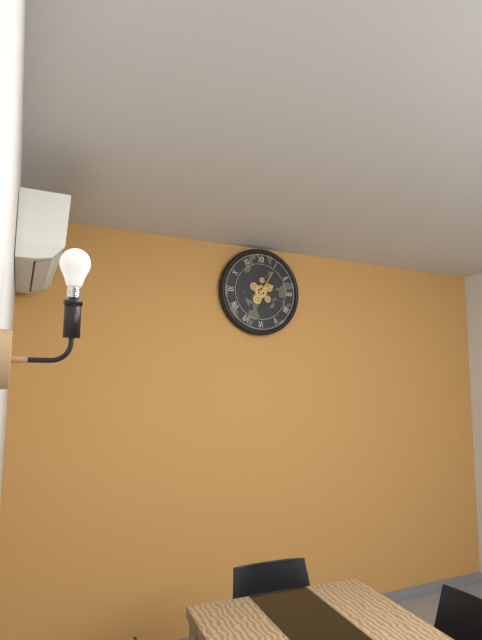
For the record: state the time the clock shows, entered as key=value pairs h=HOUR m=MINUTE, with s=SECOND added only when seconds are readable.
h=2 m=5
